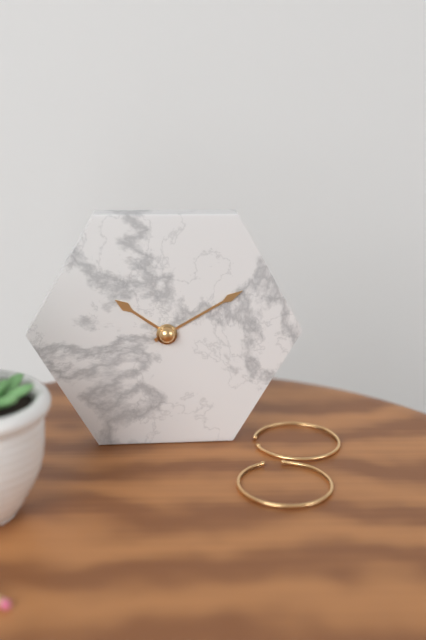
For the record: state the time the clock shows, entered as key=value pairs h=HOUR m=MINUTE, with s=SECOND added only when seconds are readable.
h=10 m=10
